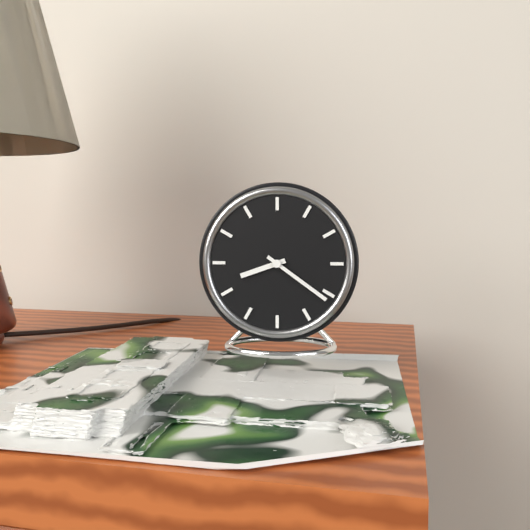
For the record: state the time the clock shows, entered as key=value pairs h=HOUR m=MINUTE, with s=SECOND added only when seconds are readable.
h=8 m=21
